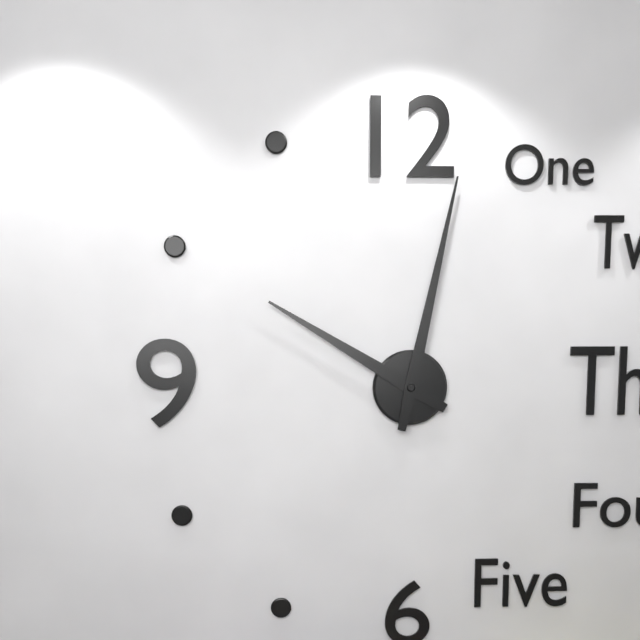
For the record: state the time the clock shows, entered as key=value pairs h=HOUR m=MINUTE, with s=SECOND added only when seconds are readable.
h=10 m=2
